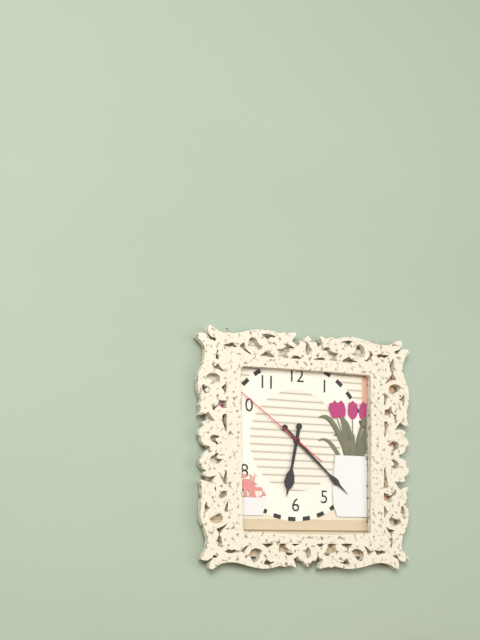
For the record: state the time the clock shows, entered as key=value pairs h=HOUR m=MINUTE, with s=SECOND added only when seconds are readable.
h=6 m=22 s=51
